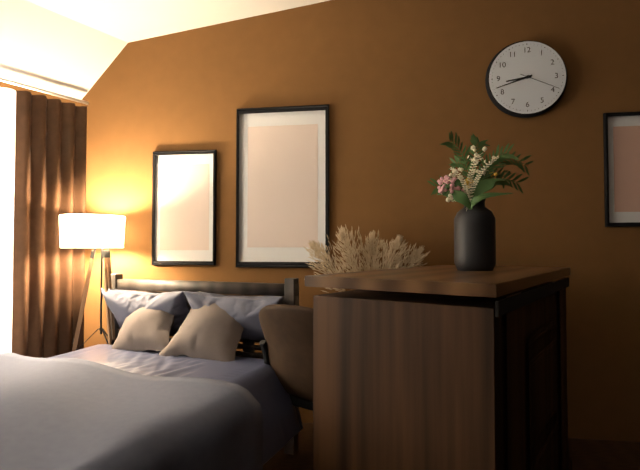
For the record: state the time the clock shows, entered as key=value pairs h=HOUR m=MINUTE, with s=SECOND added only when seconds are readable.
h=8 m=42
